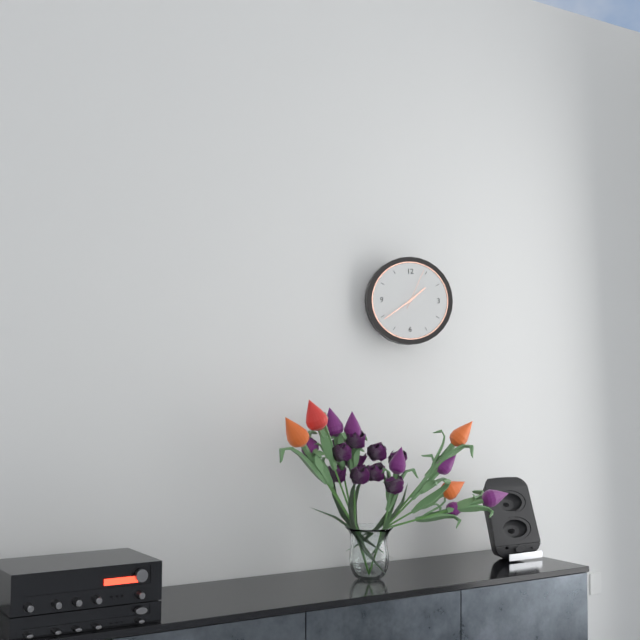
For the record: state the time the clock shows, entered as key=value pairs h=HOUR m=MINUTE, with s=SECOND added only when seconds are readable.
h=1 m=39
